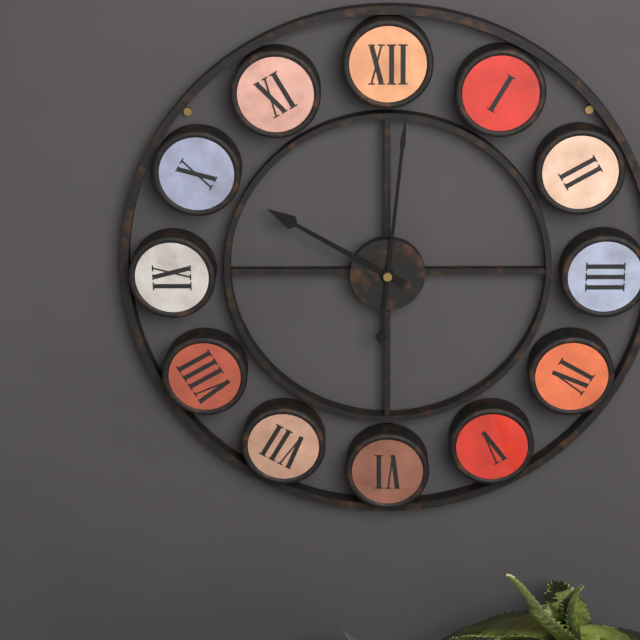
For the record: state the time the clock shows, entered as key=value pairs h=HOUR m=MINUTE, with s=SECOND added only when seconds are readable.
h=10 m=1
